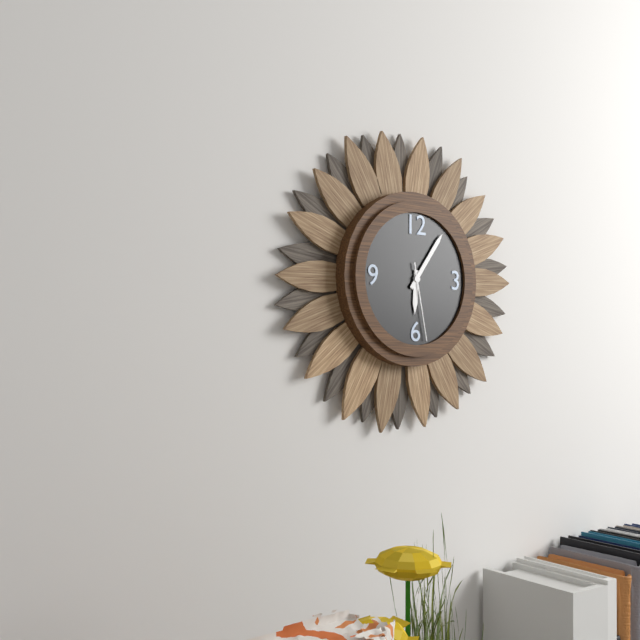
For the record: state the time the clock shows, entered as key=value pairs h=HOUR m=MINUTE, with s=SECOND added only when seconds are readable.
h=6 m=6 s=28
